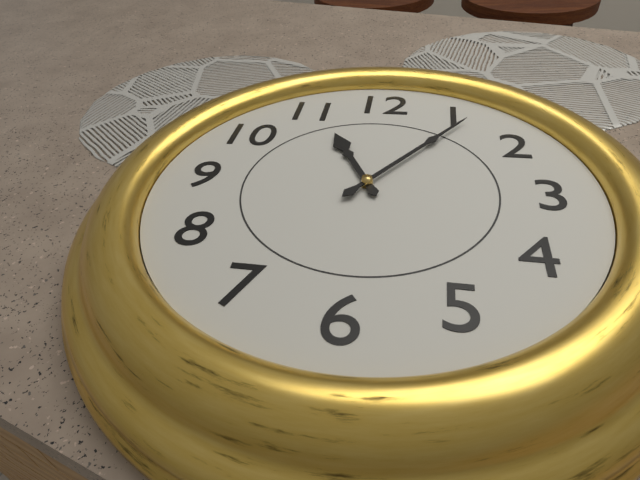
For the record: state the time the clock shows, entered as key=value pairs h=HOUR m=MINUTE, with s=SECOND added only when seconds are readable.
h=11 m=6
